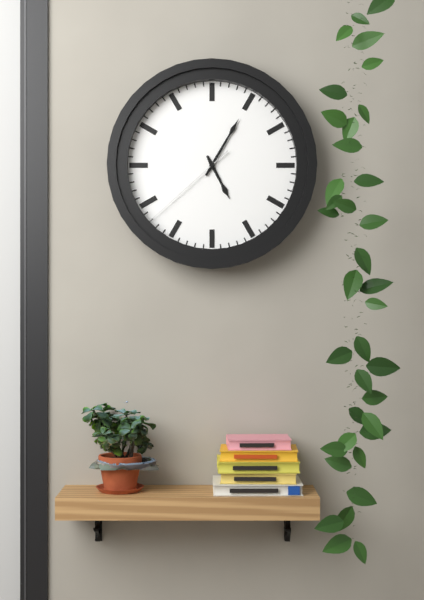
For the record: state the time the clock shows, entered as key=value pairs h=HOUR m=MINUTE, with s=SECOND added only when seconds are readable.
h=5 m=5 s=38
